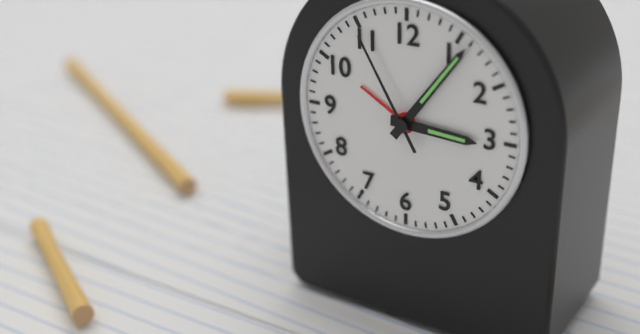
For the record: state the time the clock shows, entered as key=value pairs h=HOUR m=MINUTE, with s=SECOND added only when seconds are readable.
h=3 m=6 s=55
